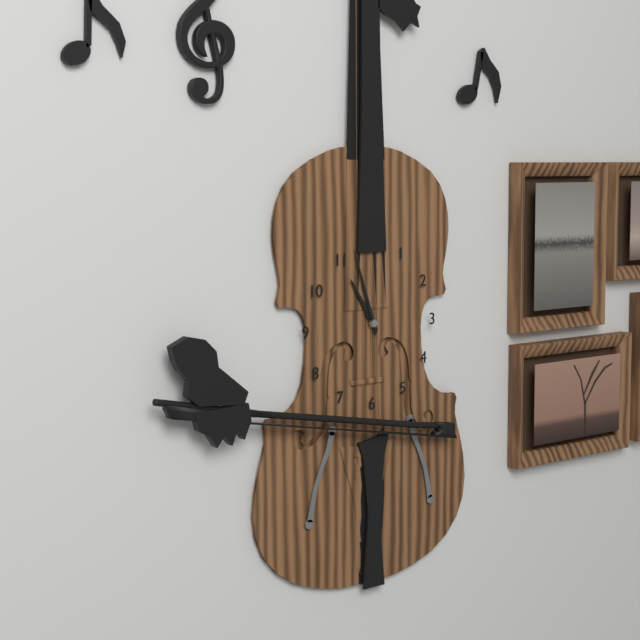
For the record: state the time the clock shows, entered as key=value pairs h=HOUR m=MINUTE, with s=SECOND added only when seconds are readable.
h=10 m=57
